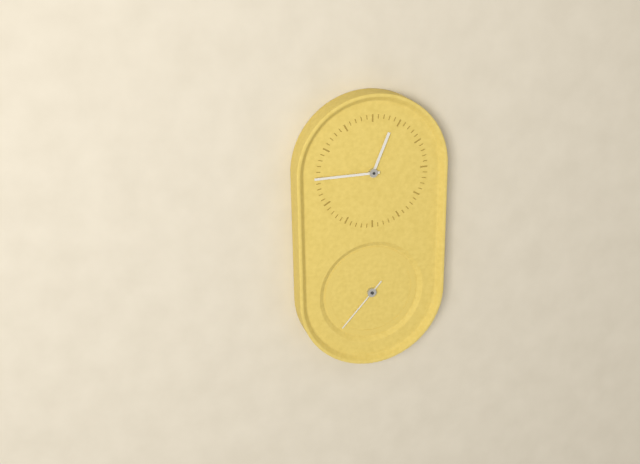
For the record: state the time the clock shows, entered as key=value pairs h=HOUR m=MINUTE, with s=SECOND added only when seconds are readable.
h=12 m=45 s=37
